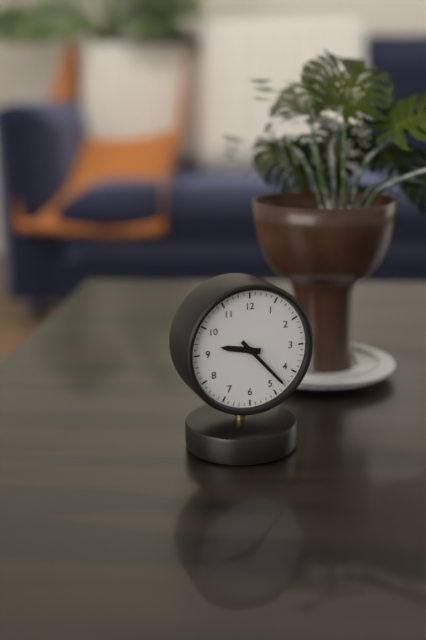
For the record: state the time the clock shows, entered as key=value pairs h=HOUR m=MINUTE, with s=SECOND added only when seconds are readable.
h=9 m=23
